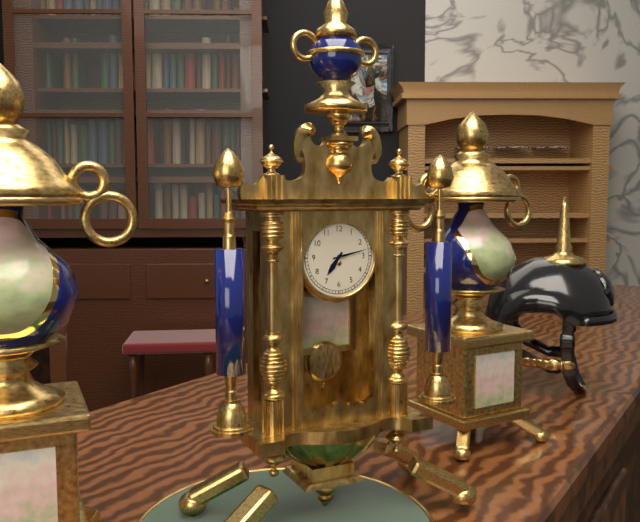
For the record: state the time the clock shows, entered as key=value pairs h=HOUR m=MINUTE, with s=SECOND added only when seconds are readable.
h=7 m=13
